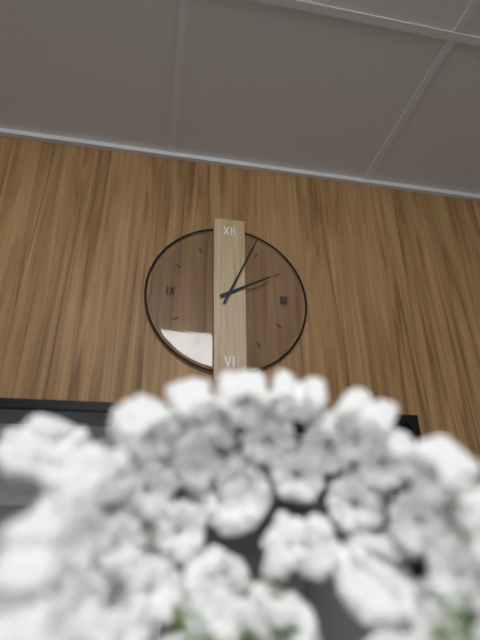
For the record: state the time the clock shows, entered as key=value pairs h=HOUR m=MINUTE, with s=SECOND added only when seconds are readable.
h=2 m=4
